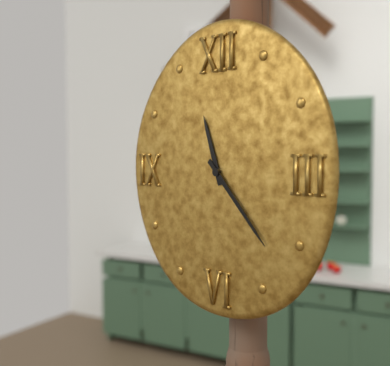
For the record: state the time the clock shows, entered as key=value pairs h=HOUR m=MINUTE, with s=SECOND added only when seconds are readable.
h=11 m=23
